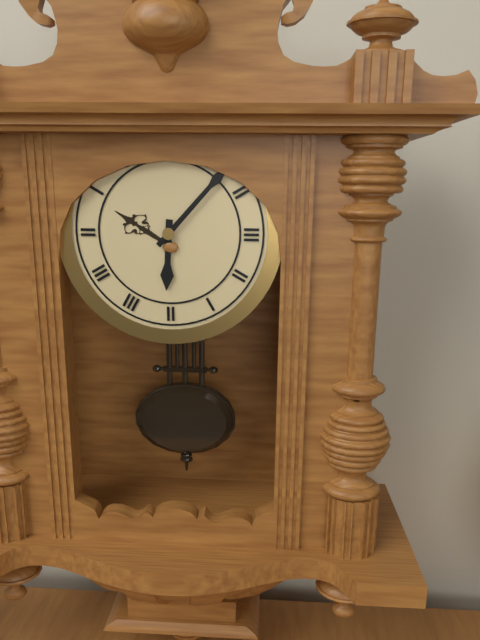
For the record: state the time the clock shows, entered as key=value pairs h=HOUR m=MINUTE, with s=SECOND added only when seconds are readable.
h=6 m=7
